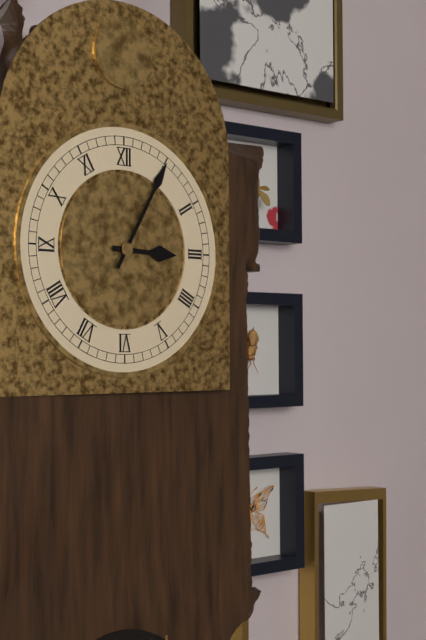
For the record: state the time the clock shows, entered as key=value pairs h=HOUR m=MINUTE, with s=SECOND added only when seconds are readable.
h=3 m=5
